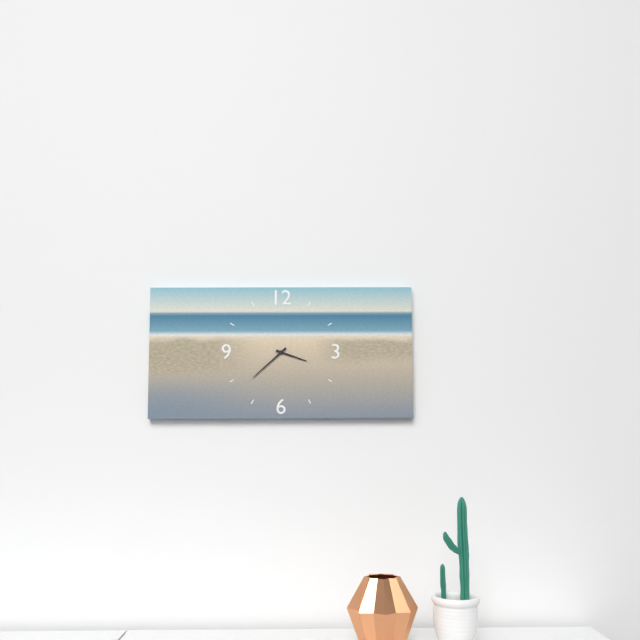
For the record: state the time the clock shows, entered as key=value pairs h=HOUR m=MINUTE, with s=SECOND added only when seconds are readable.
h=3 m=38
